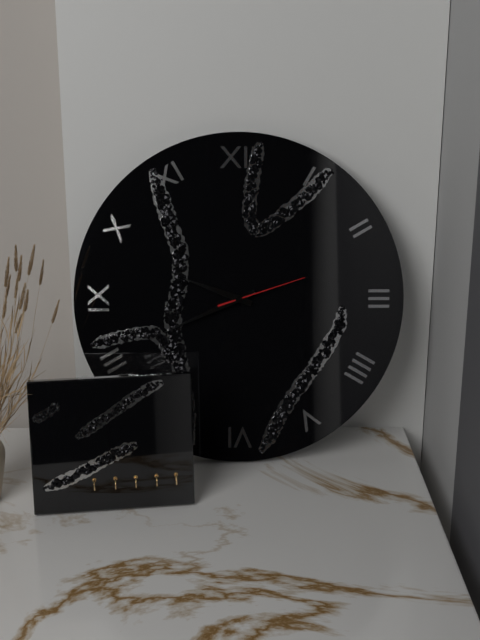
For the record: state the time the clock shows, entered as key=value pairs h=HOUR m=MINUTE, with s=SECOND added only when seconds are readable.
h=9 m=41 s=12
